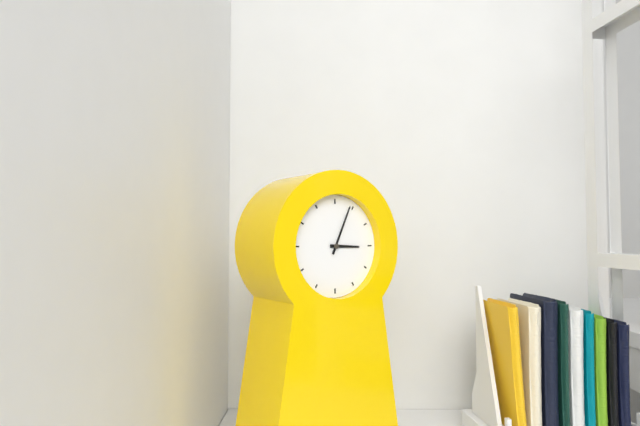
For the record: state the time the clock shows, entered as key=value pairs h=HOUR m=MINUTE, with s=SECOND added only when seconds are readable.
h=3 m=4
